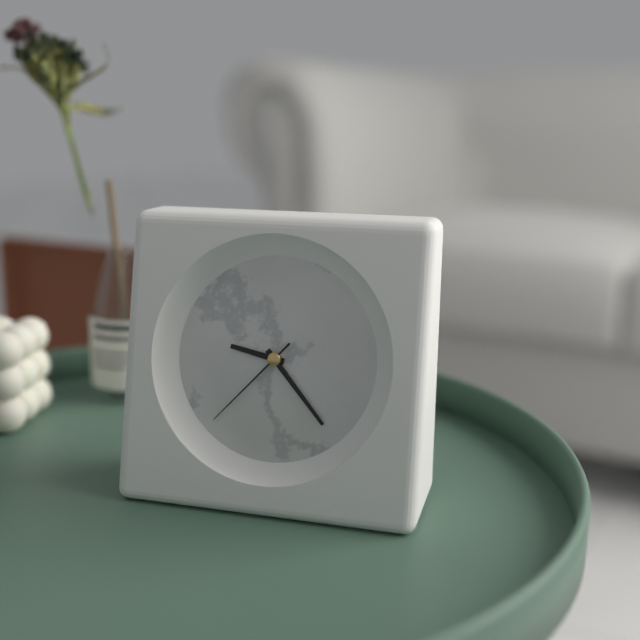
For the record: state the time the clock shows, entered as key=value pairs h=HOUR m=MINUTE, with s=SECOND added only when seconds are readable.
h=9 m=23 s=37
